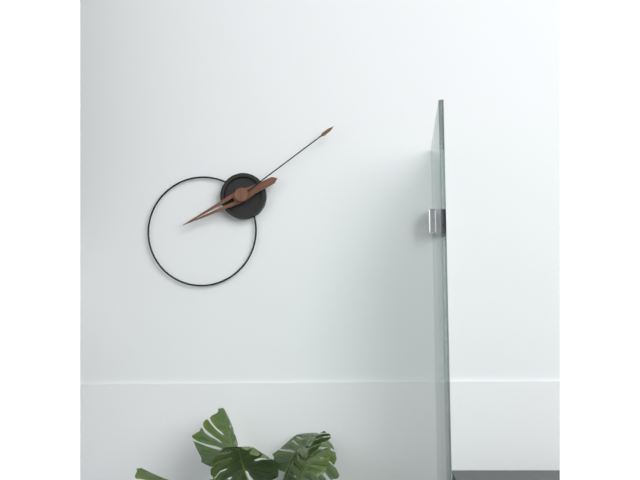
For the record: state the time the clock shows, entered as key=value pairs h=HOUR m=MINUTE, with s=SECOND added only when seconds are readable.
h=8 m=9
